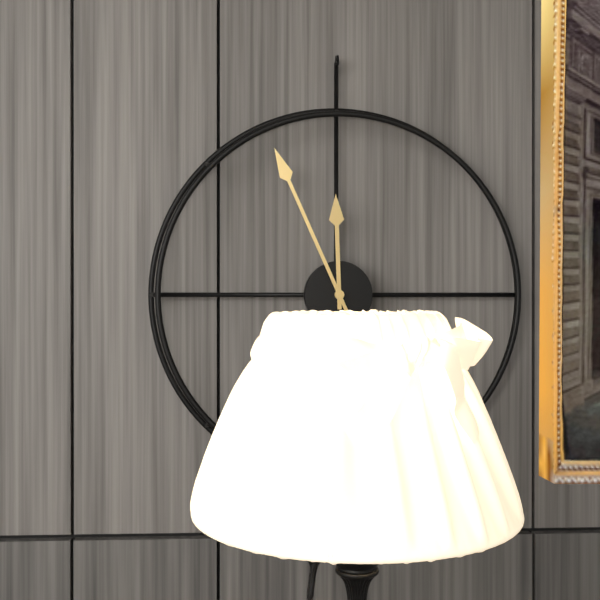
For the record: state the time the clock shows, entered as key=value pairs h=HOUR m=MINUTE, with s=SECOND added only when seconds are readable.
h=11 m=56
